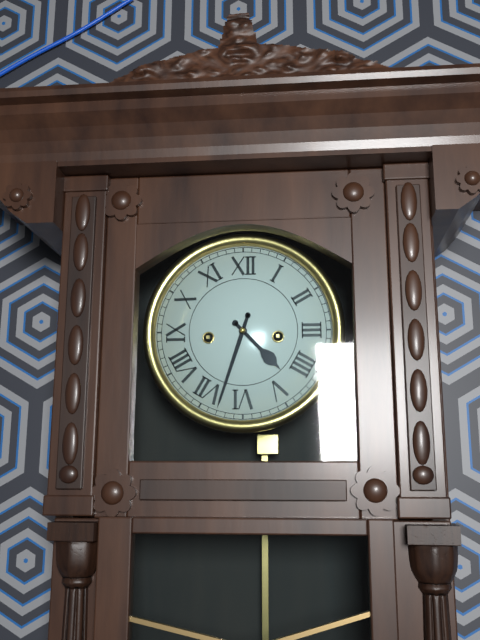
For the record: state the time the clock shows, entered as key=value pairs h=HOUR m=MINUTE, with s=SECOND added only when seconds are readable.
h=4 m=33
